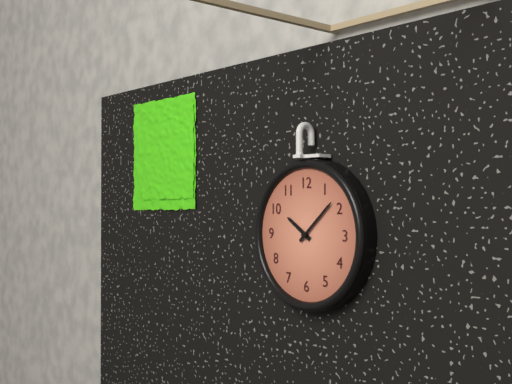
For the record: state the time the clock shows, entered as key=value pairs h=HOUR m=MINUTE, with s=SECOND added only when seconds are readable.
h=10 m=8
